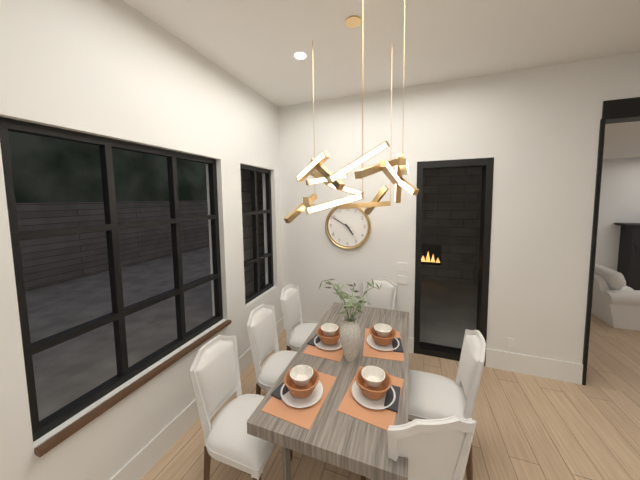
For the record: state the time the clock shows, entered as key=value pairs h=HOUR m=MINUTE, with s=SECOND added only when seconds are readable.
h=4 m=50
